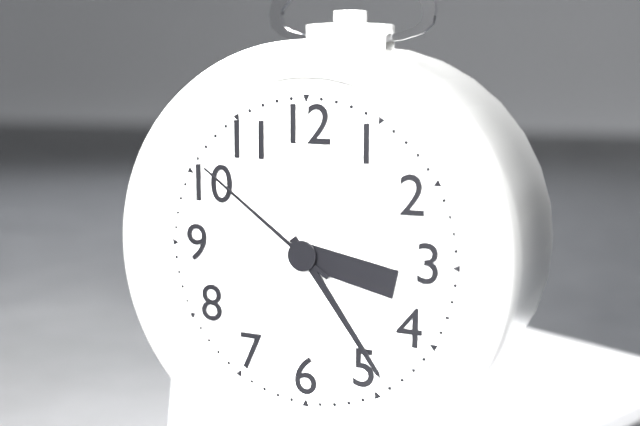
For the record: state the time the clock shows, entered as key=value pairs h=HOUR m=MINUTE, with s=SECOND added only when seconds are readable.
h=3 m=24 s=51
